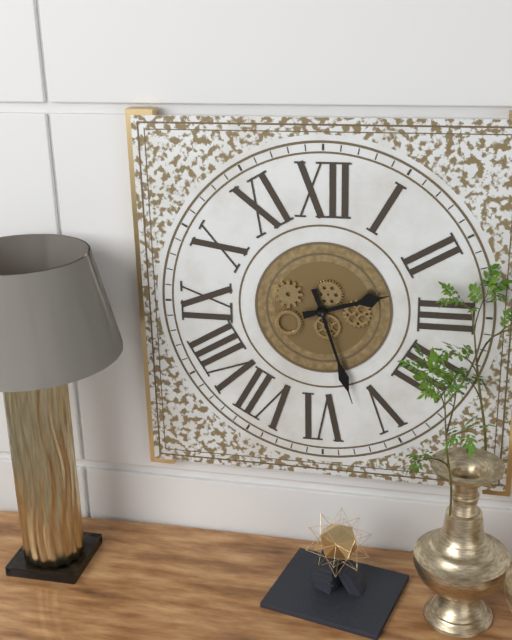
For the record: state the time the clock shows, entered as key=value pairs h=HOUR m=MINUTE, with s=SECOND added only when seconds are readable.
h=2 m=27
